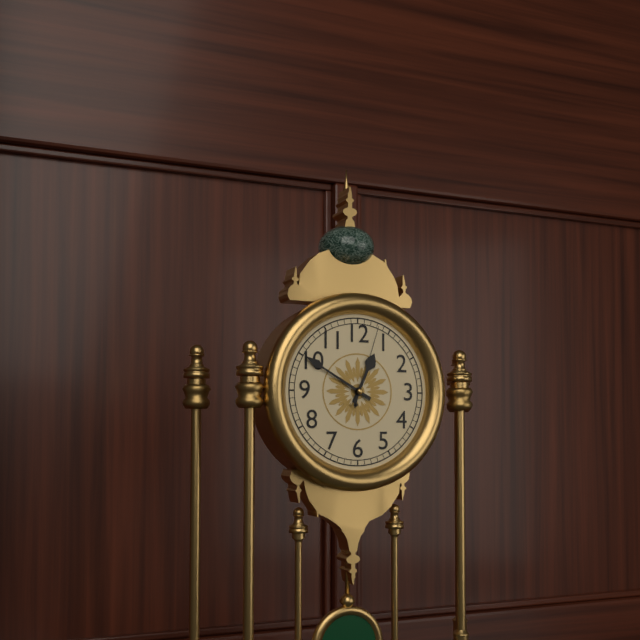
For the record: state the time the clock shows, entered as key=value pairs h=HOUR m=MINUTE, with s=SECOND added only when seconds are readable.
h=12 m=50 s=3
